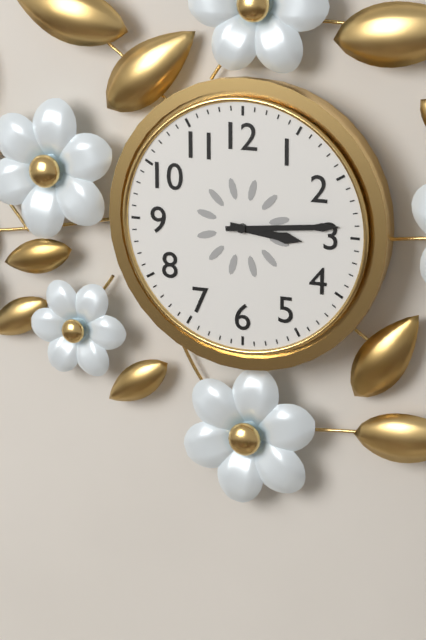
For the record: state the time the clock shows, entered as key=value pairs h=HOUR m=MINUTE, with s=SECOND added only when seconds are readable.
h=3 m=14
